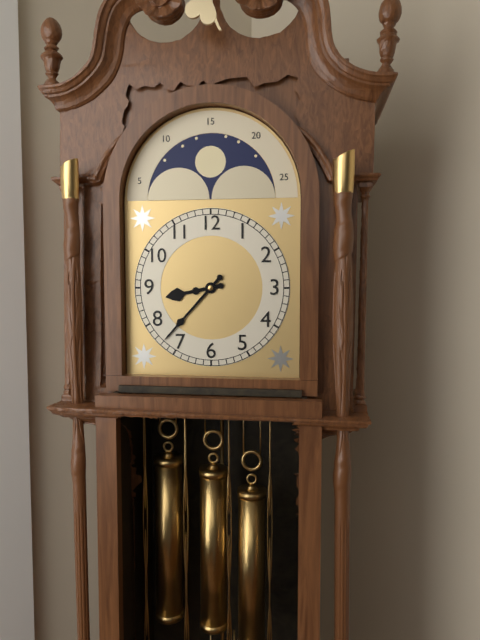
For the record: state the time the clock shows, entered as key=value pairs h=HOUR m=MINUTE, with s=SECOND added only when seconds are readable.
h=8 m=37
